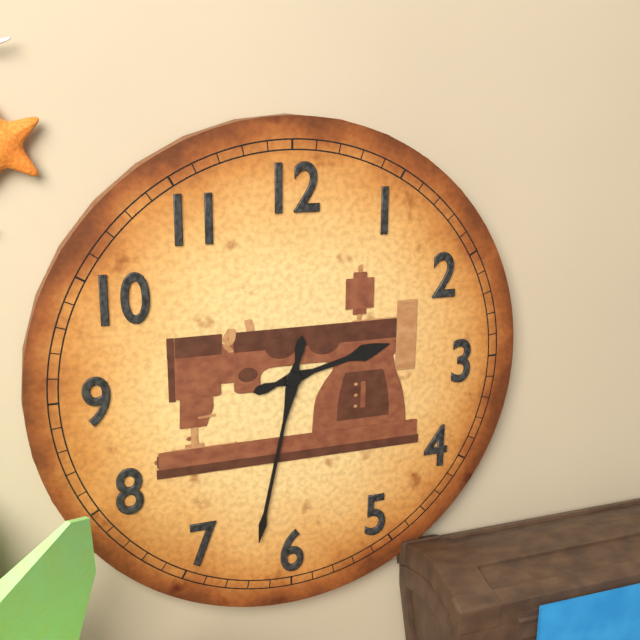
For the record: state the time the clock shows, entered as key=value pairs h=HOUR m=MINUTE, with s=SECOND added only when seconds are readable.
h=2 m=32
